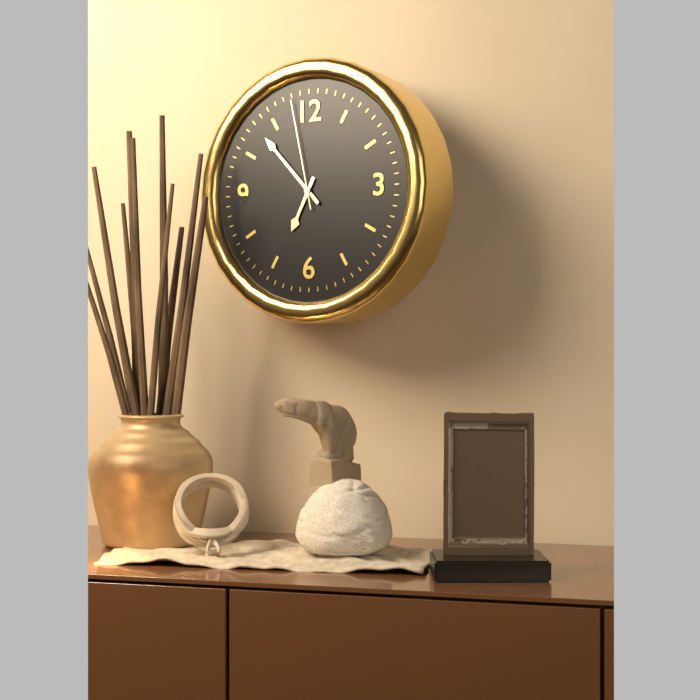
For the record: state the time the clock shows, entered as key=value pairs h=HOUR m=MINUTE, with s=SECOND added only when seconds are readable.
h=6 m=53 s=58
